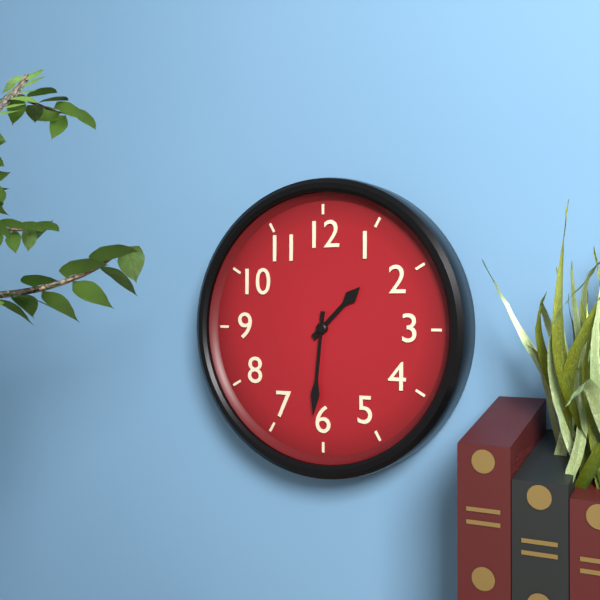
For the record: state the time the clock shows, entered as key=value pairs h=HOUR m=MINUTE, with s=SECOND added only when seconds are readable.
h=1 m=31
